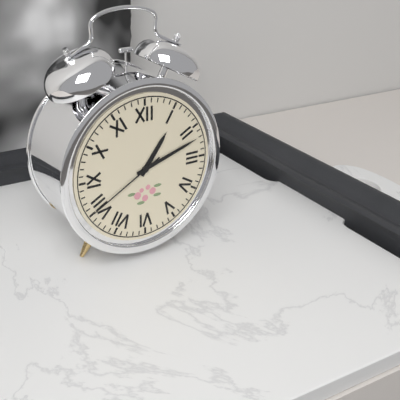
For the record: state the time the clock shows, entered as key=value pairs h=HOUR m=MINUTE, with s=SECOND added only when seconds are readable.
h=1 m=12 s=40
